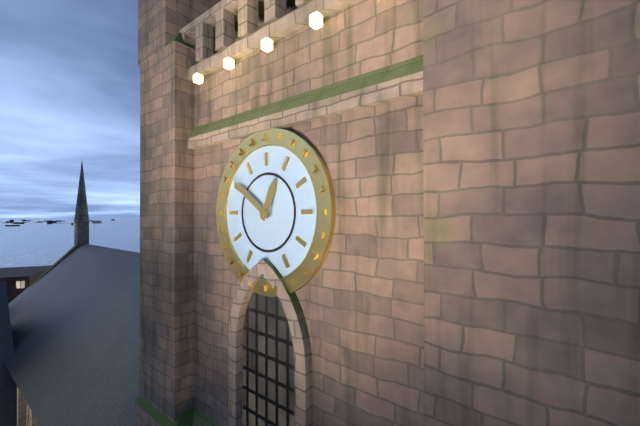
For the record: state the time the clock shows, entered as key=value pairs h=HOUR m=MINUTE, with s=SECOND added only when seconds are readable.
h=12 m=51
